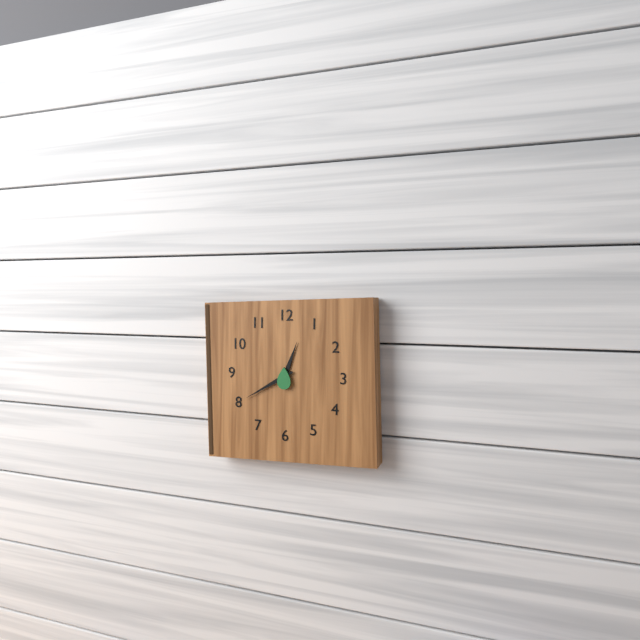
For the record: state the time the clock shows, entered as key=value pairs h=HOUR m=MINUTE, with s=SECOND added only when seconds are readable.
h=12 m=40
